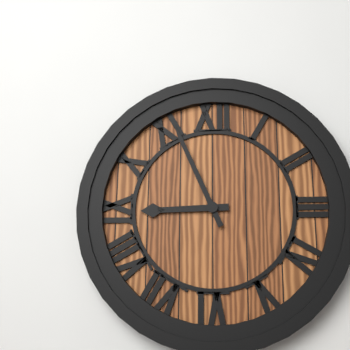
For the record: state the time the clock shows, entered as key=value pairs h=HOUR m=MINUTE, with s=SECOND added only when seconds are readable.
h=8 m=56
